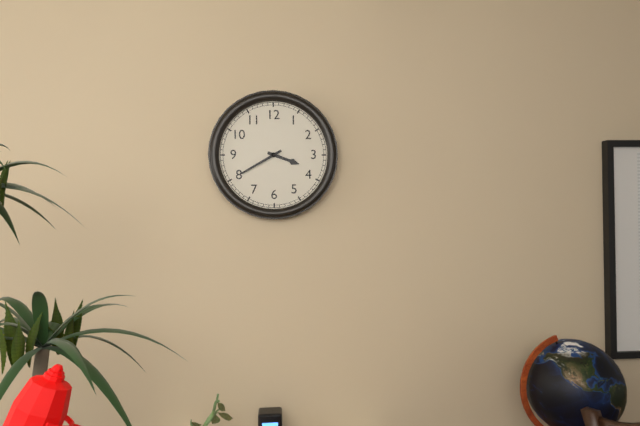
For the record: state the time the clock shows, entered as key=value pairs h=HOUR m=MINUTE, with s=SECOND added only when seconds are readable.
h=3 m=40
